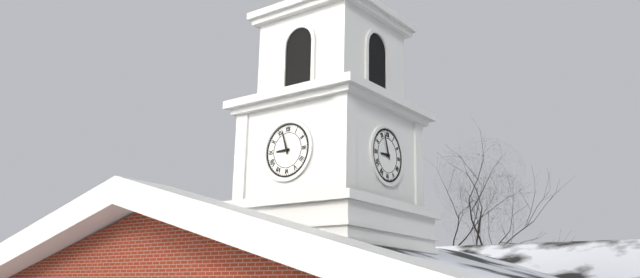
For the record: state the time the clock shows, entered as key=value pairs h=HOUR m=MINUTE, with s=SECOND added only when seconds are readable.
h=8 m=57
